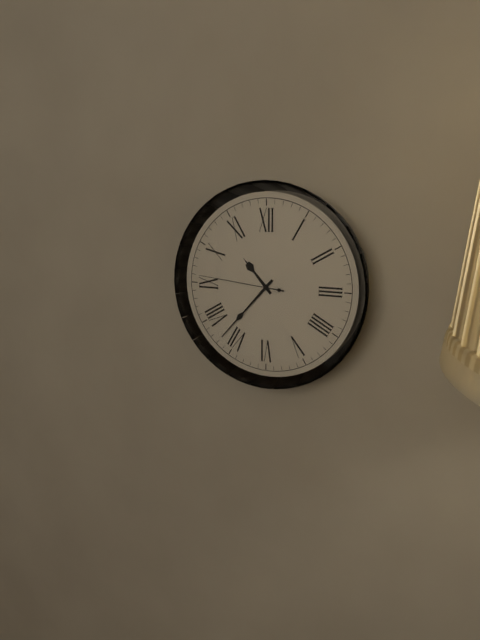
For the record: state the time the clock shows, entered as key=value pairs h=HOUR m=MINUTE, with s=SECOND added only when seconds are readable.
h=10 m=37 s=46
